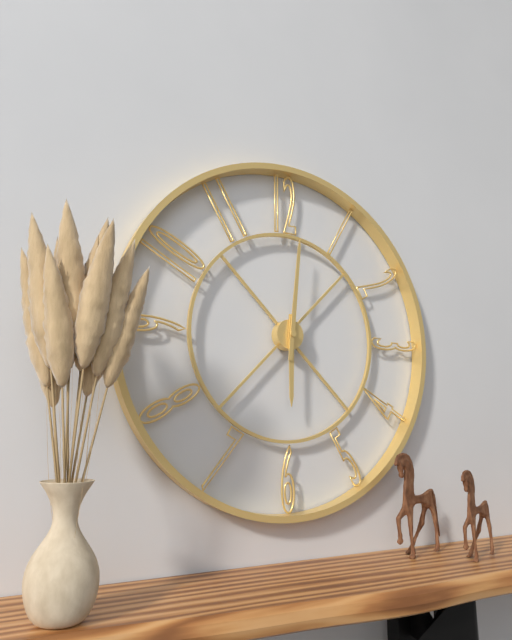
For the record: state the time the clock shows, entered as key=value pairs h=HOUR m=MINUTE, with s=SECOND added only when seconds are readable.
h=6 m=1
